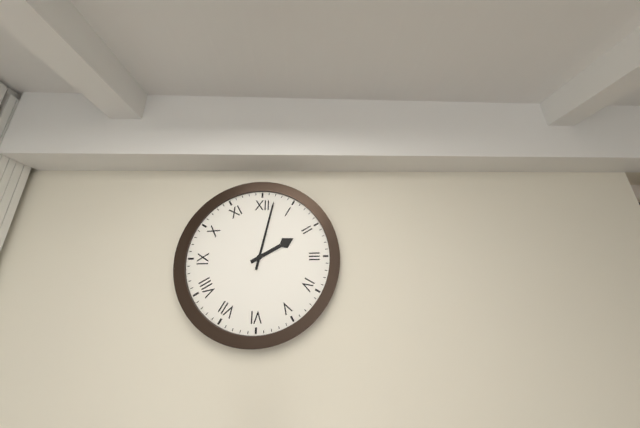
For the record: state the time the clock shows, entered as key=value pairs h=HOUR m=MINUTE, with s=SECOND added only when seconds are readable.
h=2 m=2
